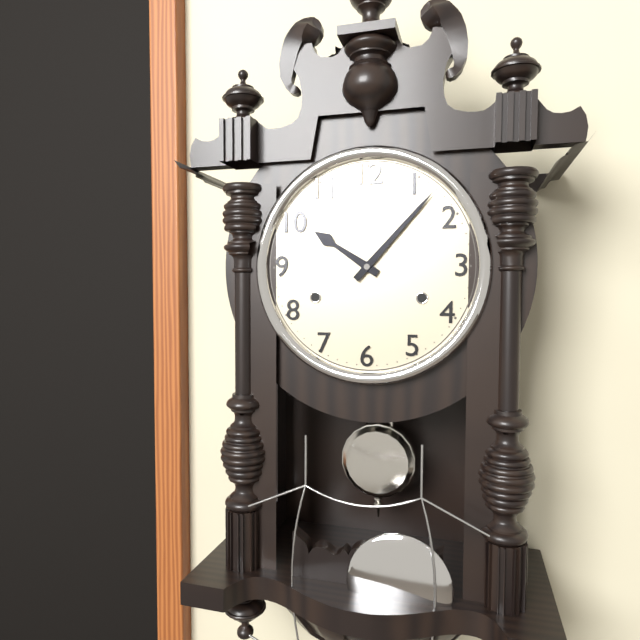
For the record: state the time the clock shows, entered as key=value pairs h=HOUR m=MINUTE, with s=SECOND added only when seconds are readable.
h=10 m=7
